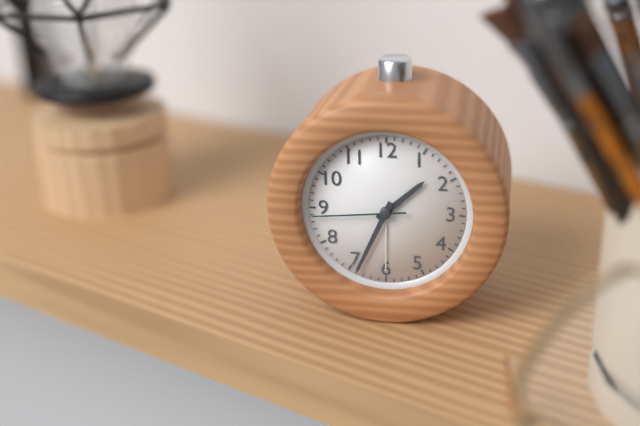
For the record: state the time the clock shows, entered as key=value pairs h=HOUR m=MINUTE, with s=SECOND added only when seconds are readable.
h=1 m=34 s=44
